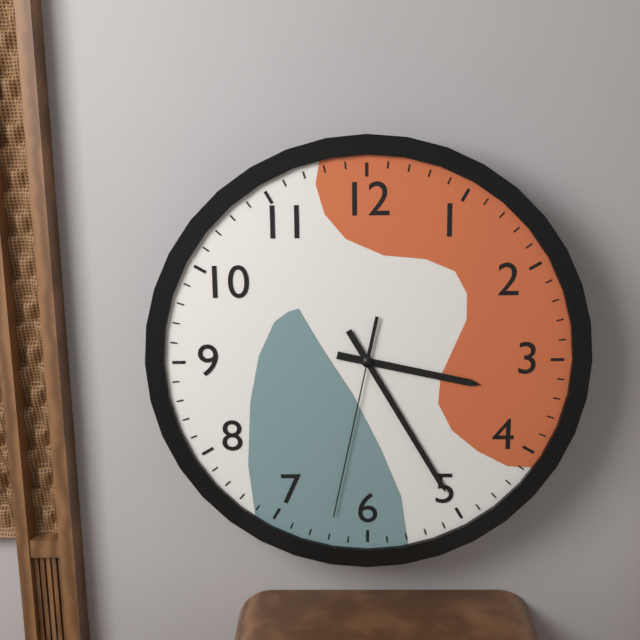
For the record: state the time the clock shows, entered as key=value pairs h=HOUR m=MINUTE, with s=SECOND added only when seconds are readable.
h=3 m=25 s=32
